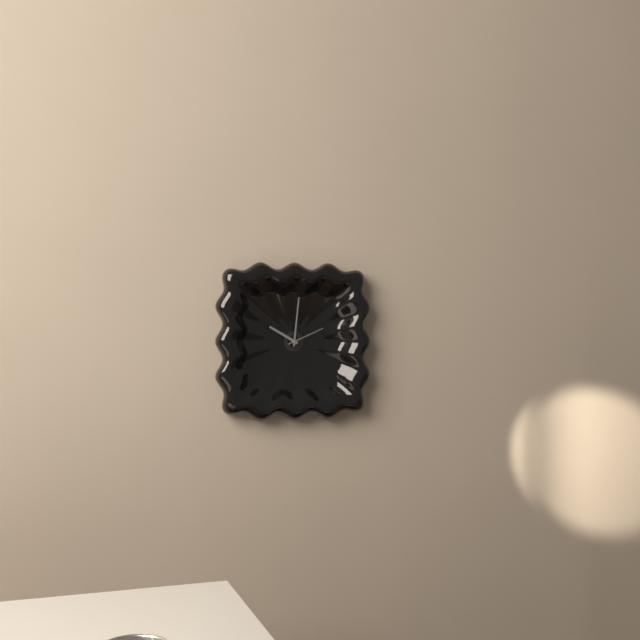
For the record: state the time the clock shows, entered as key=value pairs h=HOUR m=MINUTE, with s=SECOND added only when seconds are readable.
h=10 m=1
